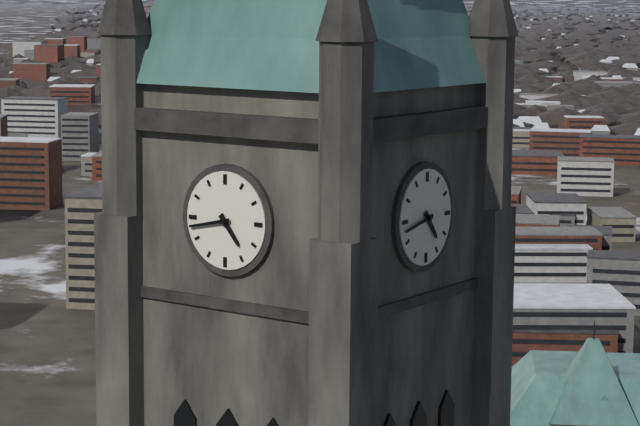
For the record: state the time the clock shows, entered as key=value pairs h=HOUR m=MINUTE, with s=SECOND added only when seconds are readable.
h=4 m=43
